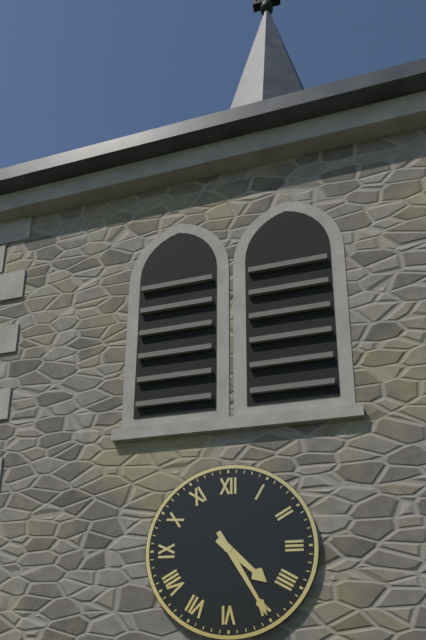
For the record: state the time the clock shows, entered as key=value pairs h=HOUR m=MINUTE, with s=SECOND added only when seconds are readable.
h=4 m=25
